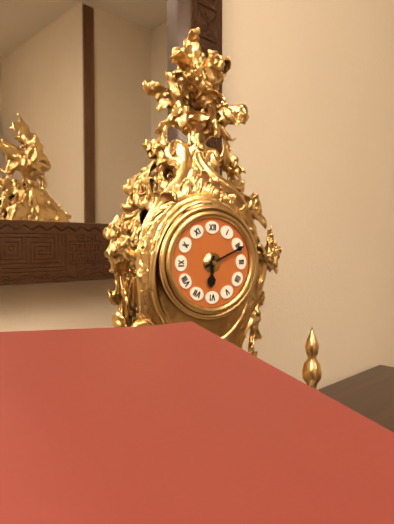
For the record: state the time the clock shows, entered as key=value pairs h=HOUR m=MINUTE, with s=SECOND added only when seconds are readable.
h=6 m=11
